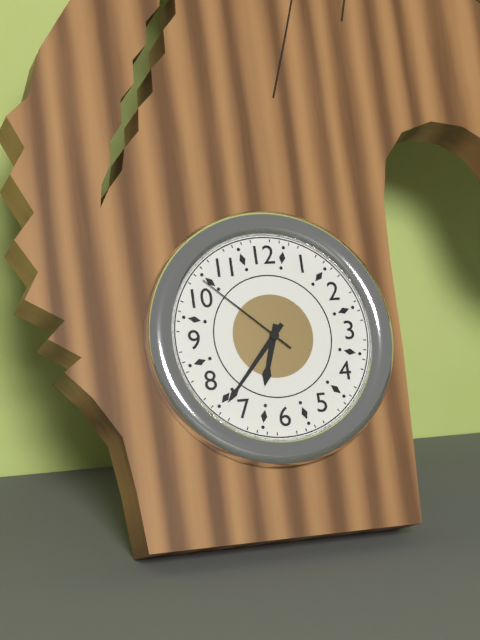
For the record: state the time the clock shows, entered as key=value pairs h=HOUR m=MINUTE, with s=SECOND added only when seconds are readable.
h=6 m=37 s=52
